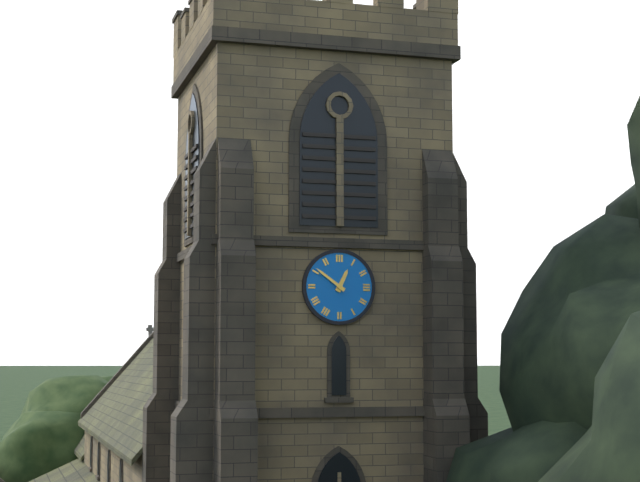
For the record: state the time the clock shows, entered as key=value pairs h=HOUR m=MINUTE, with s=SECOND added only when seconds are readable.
h=12 m=51
